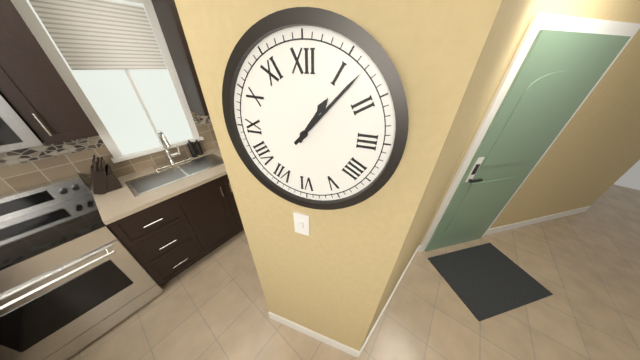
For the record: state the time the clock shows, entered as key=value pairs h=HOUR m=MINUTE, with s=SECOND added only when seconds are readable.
h=1 m=7
